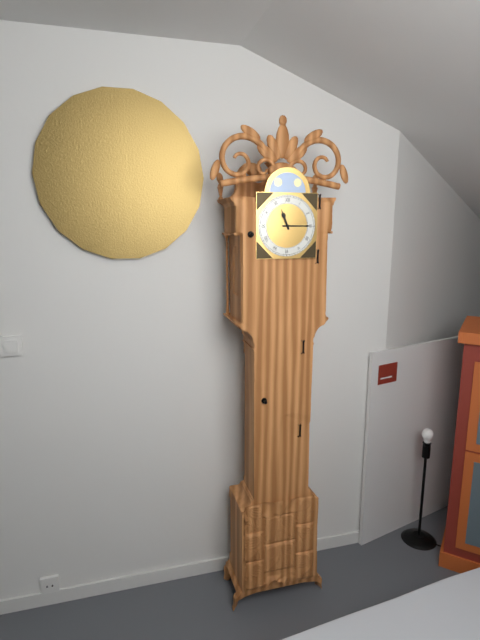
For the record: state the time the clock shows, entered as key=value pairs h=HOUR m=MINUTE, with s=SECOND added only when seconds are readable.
h=11 m=15
